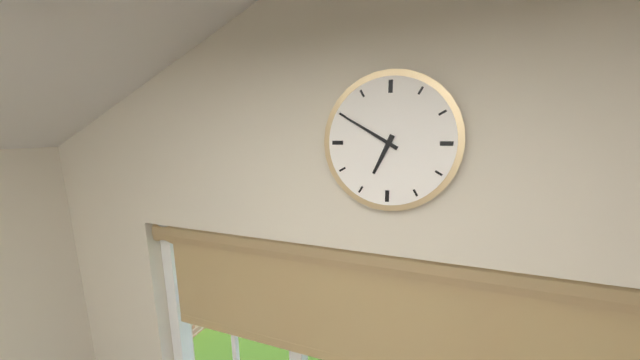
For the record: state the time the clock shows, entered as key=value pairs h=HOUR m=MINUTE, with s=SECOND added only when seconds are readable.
h=6 m=50
